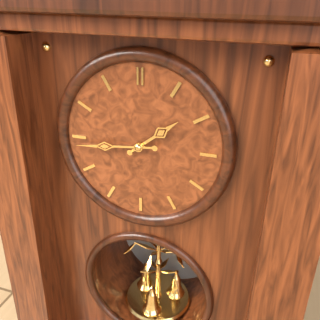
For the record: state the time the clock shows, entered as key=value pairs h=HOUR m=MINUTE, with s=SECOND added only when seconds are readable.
h=1 m=44
